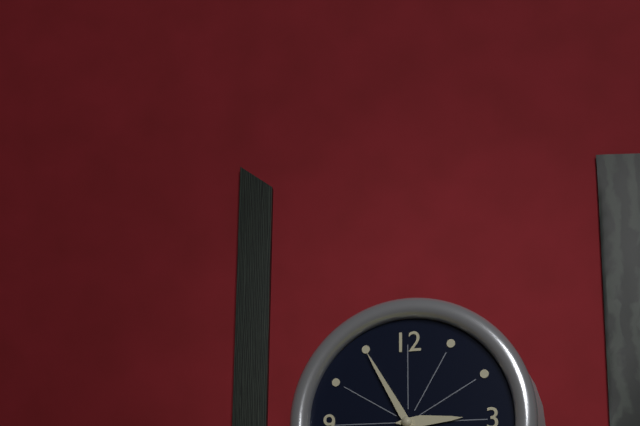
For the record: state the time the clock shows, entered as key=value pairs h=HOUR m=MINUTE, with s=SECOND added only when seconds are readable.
h=2 m=55
